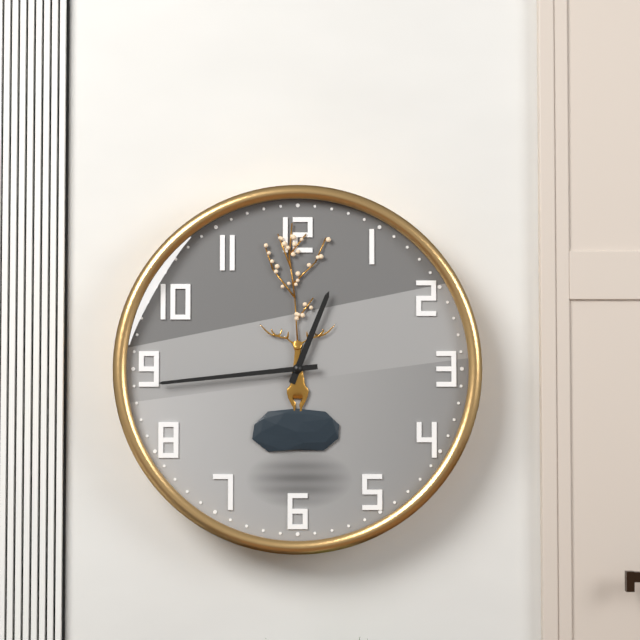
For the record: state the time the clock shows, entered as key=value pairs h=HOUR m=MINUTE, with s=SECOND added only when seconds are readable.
h=12 m=44
